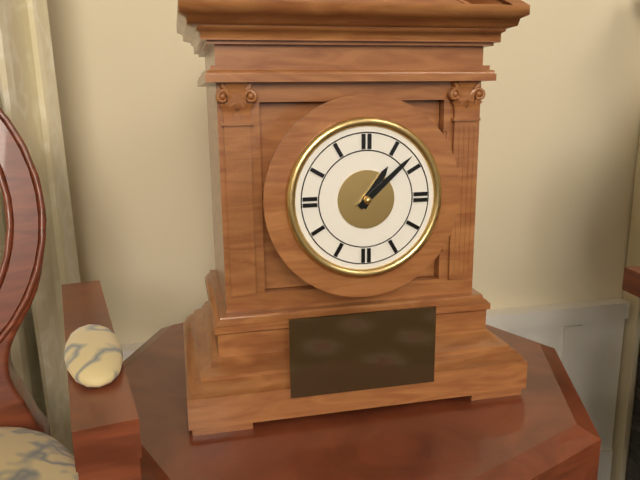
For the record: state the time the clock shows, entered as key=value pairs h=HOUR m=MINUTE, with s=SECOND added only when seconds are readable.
h=1 m=8
